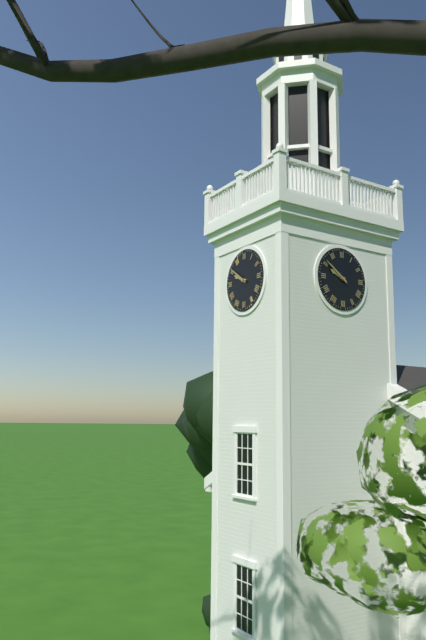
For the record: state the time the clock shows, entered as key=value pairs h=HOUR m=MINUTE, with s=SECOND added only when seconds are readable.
h=9 m=51
